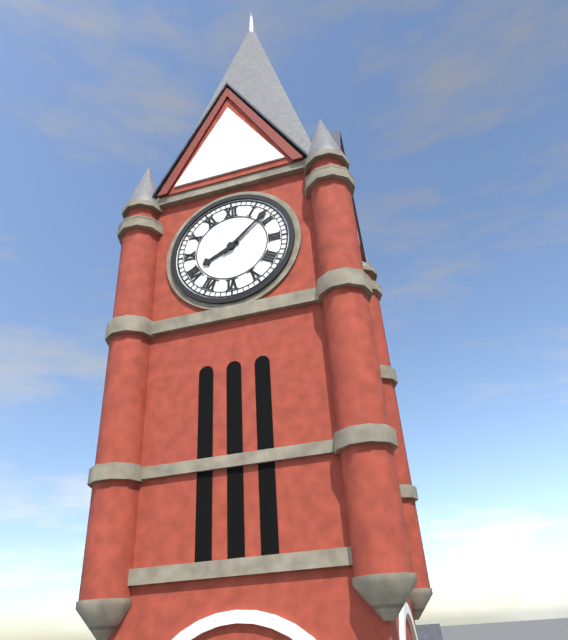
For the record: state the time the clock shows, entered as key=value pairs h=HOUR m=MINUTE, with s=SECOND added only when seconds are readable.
h=8 m=8
